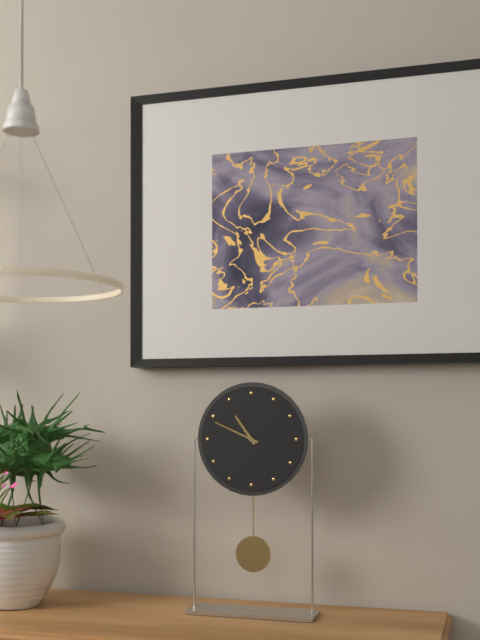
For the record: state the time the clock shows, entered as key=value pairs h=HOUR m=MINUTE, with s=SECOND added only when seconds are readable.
h=10 m=49
